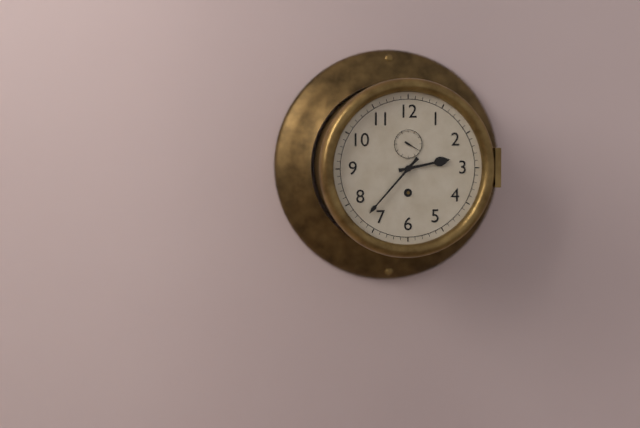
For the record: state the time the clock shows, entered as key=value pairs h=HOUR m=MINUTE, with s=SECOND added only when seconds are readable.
h=2 m=37
